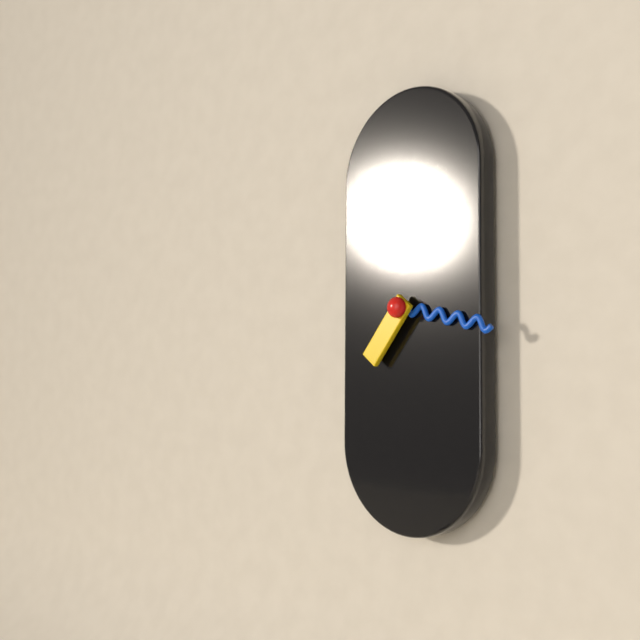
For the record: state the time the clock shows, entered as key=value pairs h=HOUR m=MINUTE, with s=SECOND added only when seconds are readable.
h=7 m=17
